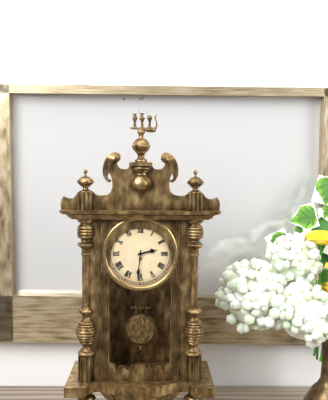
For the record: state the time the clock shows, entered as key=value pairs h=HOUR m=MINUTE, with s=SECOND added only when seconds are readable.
h=2 m=31
